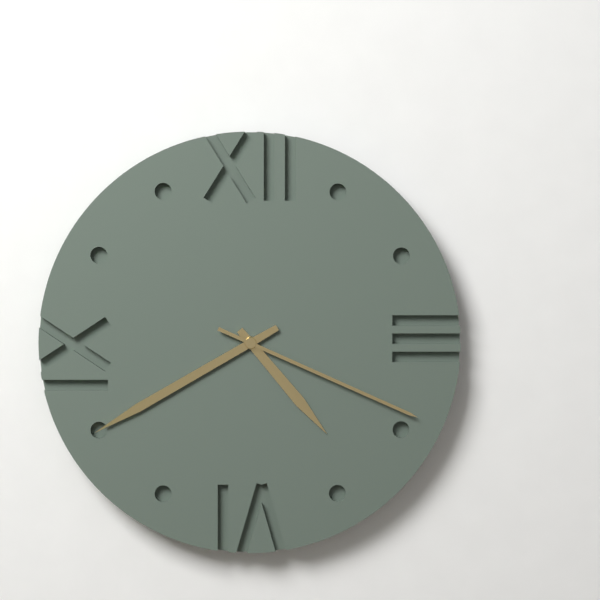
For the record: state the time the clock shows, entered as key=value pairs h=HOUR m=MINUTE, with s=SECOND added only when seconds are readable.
h=4 m=40 s=19
